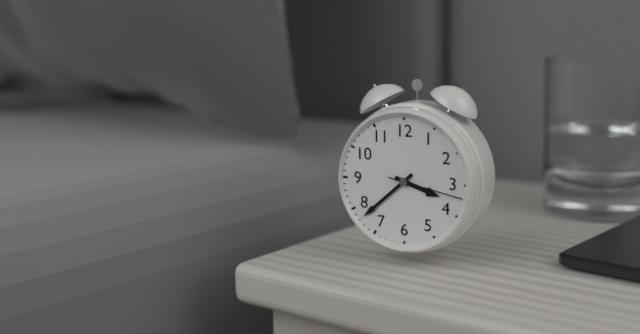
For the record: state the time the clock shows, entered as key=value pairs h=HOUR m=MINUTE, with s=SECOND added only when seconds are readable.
h=3 m=38 s=17
